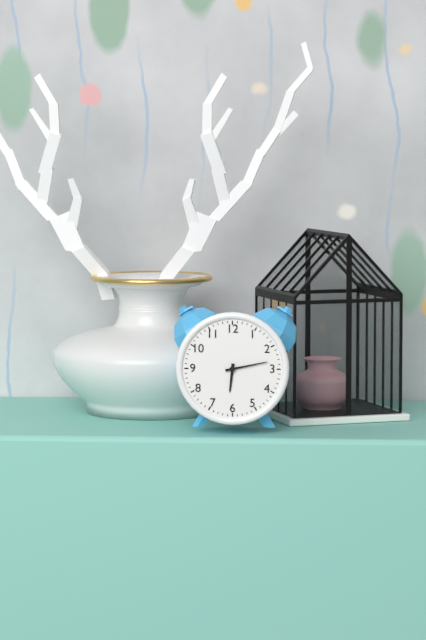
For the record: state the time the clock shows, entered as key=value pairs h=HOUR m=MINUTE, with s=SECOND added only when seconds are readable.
h=6 m=13
